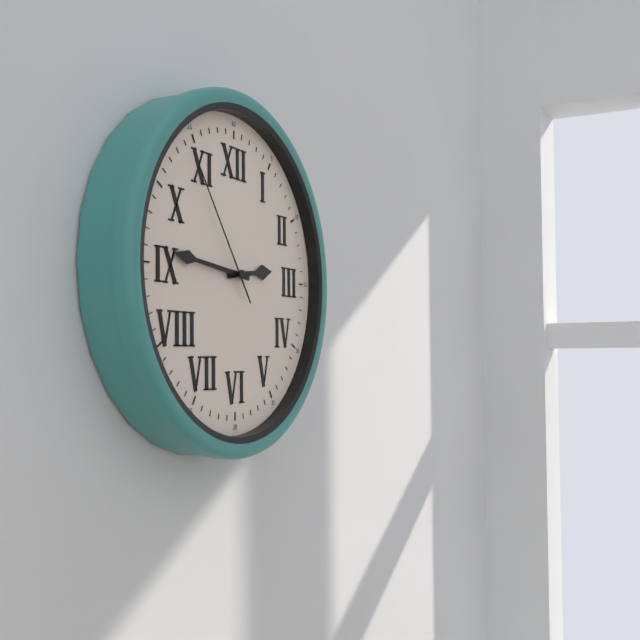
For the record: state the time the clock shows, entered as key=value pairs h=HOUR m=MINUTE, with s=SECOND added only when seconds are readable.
h=2 m=46 s=54
